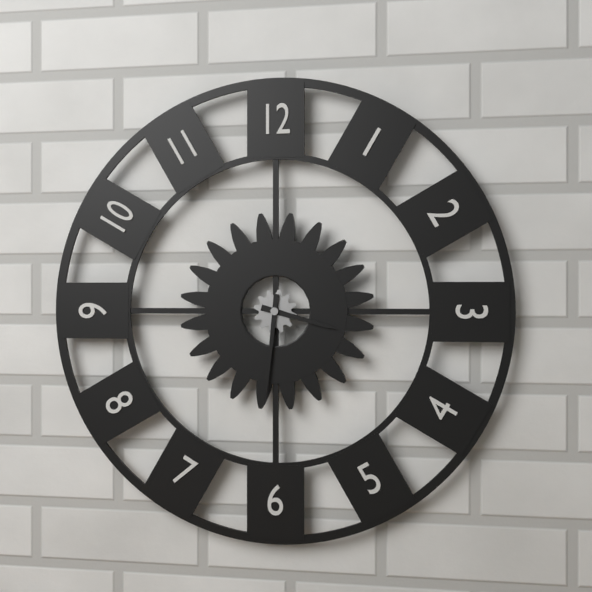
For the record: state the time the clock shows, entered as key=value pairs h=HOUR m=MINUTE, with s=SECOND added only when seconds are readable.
h=3 m=31
